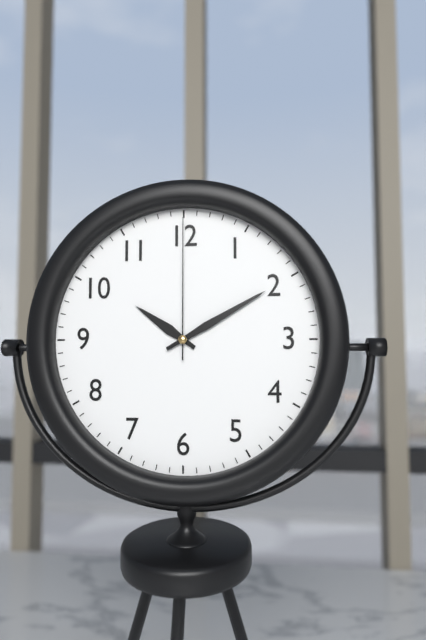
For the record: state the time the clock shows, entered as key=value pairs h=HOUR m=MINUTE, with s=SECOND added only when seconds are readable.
h=10 m=10 s=0
